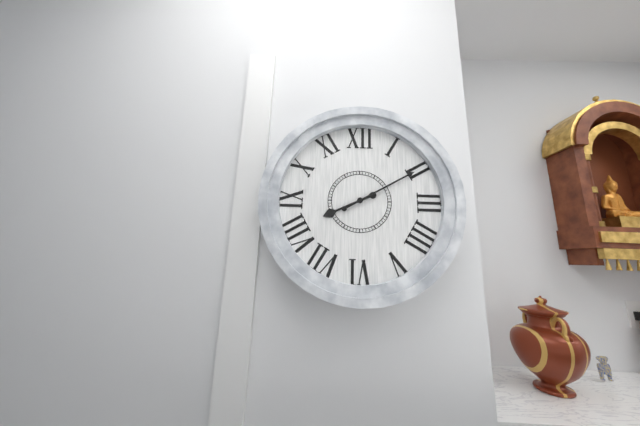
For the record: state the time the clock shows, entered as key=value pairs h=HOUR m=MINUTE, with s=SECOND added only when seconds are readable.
h=8 m=10
